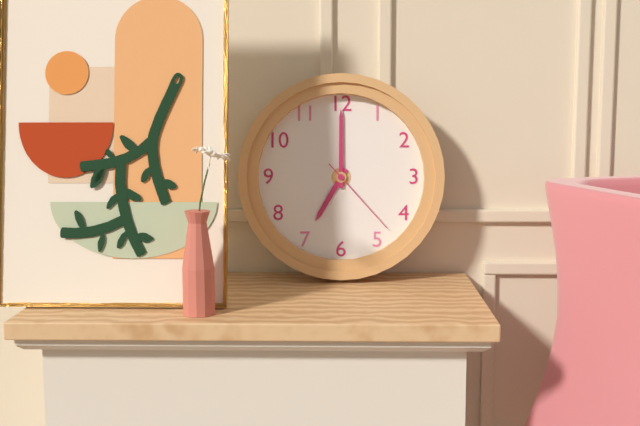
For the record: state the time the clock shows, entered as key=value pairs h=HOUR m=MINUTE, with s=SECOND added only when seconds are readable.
h=7 m=0 s=23
